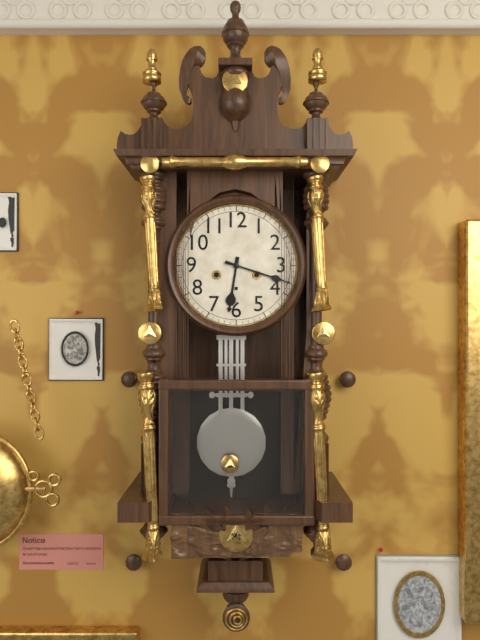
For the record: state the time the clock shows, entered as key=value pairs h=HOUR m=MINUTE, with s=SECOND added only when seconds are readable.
h=6 m=18
